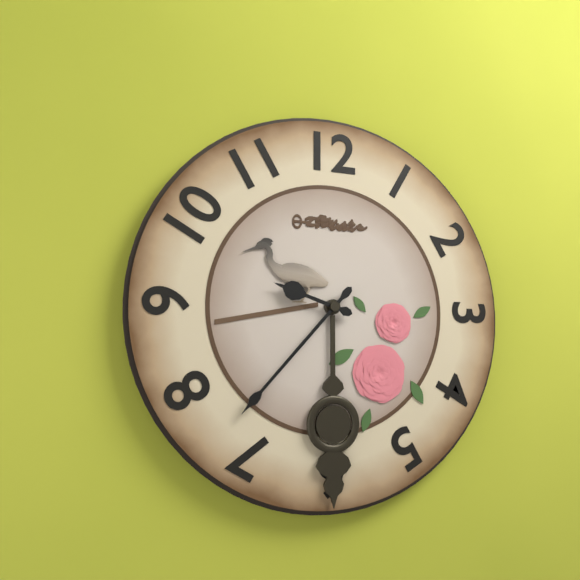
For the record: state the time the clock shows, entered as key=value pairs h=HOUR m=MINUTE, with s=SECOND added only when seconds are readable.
h=9 m=37
